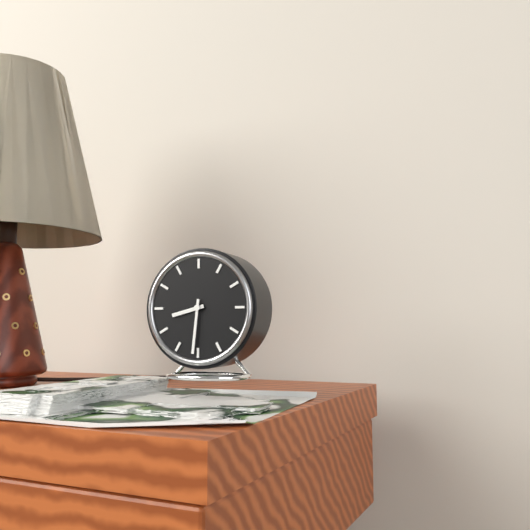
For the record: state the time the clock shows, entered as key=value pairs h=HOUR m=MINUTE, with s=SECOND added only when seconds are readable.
h=8 m=31
